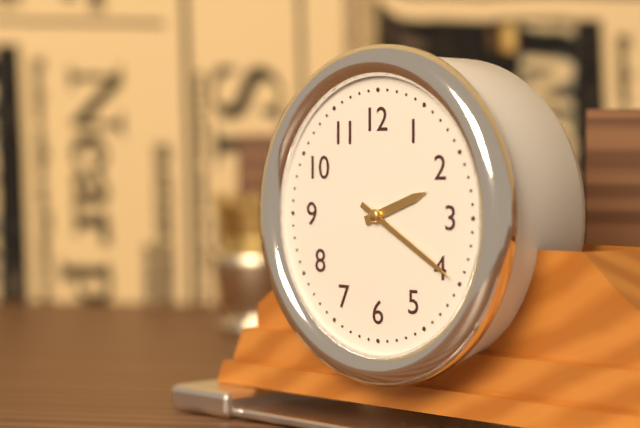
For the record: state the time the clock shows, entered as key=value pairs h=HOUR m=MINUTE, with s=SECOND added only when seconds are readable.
h=2 m=20
